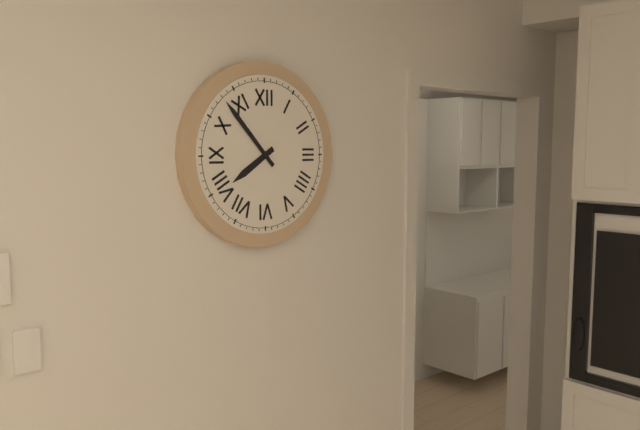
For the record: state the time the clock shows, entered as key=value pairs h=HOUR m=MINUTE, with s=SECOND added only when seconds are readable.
h=7 m=53
